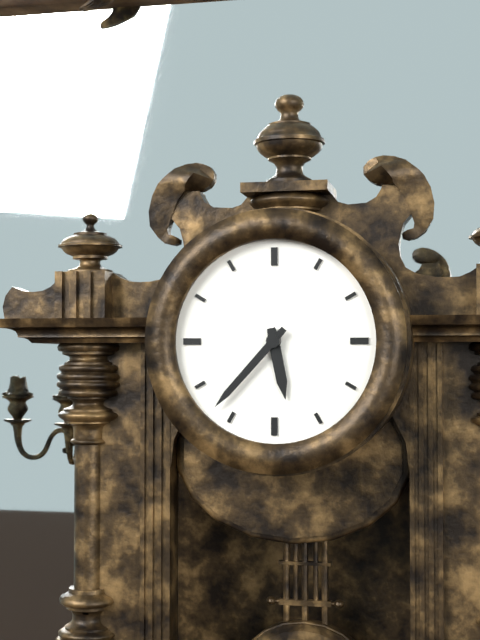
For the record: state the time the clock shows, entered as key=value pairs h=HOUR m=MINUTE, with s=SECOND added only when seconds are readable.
h=5 m=37
